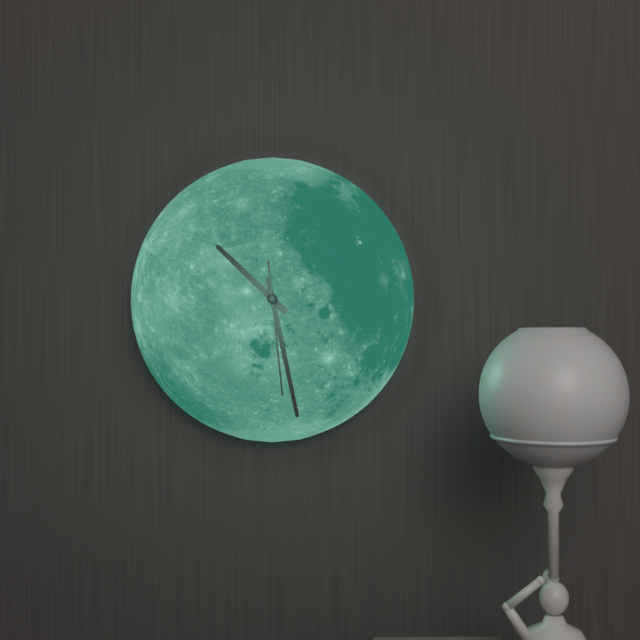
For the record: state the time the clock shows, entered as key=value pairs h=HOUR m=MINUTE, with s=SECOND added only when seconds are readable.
h=10 m=28 s=29
